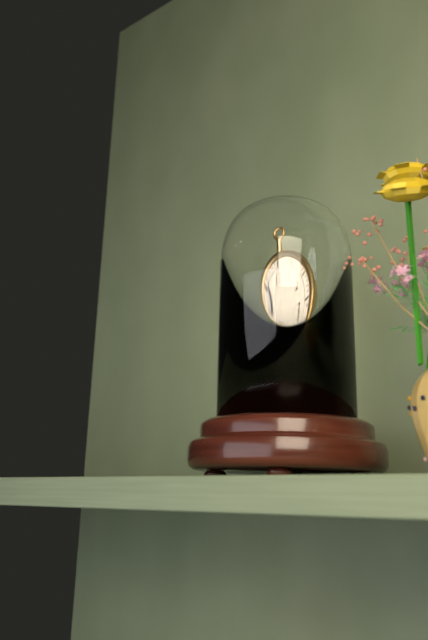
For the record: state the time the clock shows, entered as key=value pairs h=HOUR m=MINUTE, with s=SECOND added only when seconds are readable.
h=6 m=56
